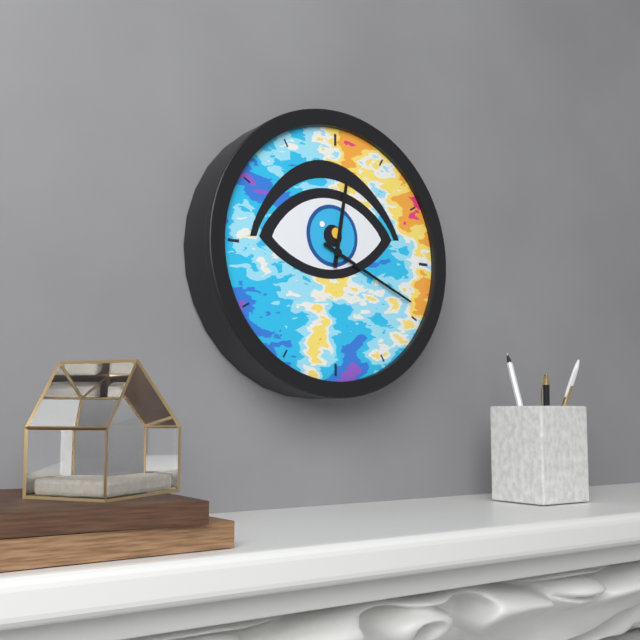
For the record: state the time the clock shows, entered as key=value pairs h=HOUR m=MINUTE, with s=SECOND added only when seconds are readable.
h=12 m=19
